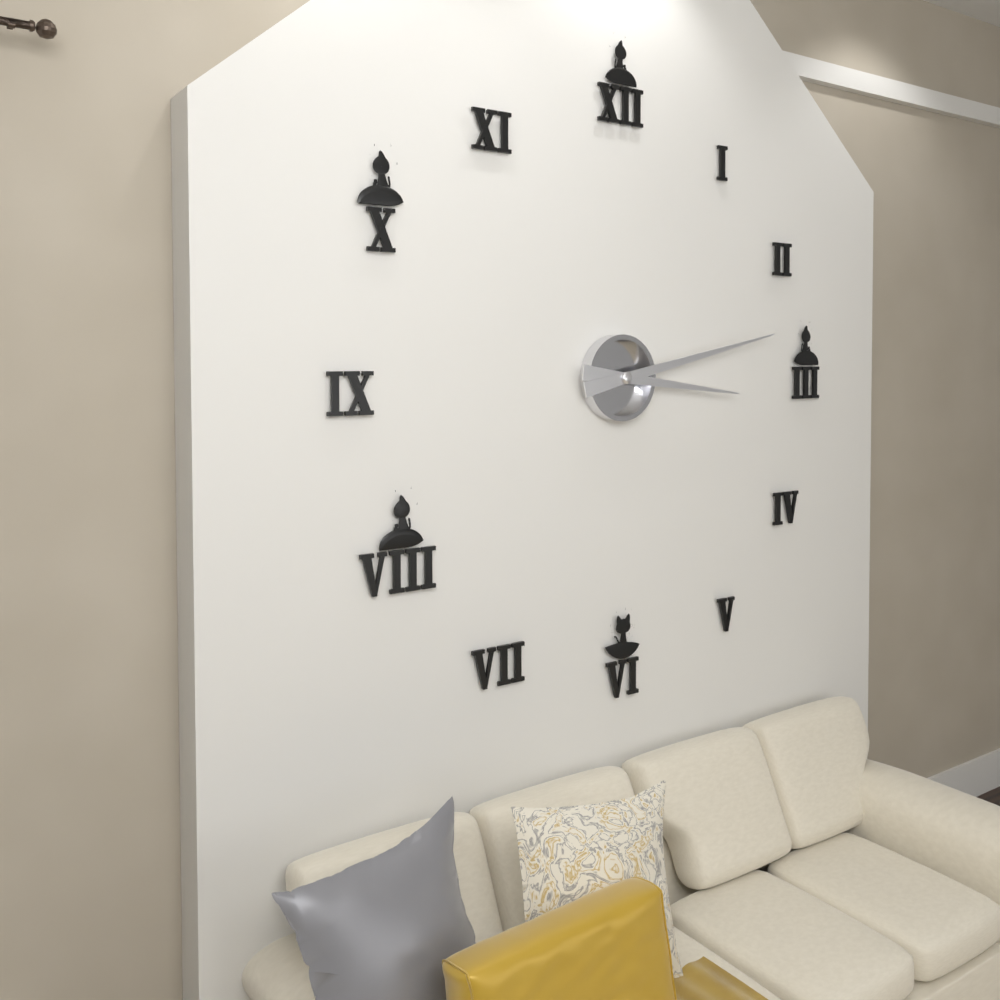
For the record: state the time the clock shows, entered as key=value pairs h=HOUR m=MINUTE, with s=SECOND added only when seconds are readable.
h=3 m=13
